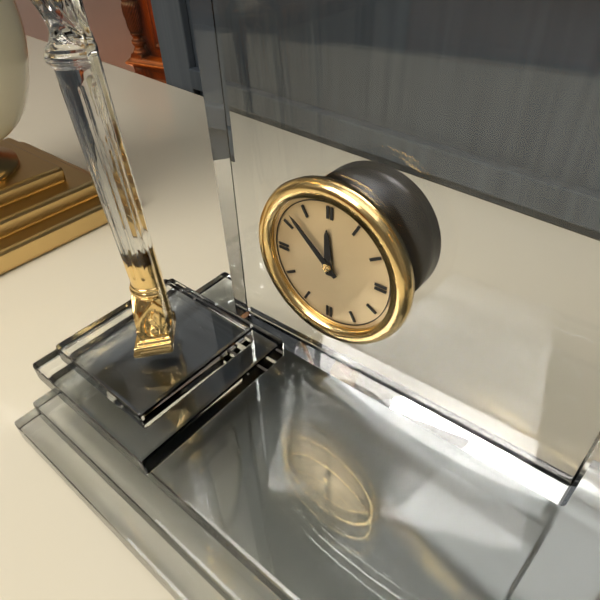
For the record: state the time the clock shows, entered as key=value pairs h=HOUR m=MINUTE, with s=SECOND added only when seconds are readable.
h=11 m=52
